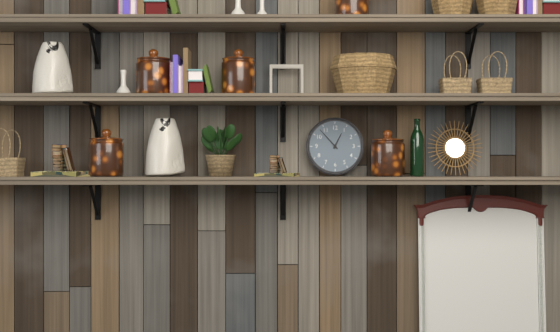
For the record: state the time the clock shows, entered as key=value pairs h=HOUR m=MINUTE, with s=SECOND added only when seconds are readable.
h=12 m=53
